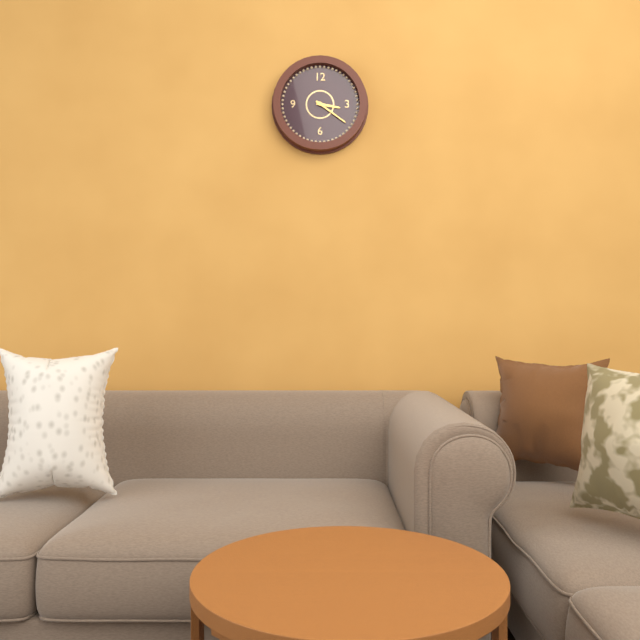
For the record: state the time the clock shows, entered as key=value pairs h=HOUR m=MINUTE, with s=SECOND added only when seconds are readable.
h=3 m=21
